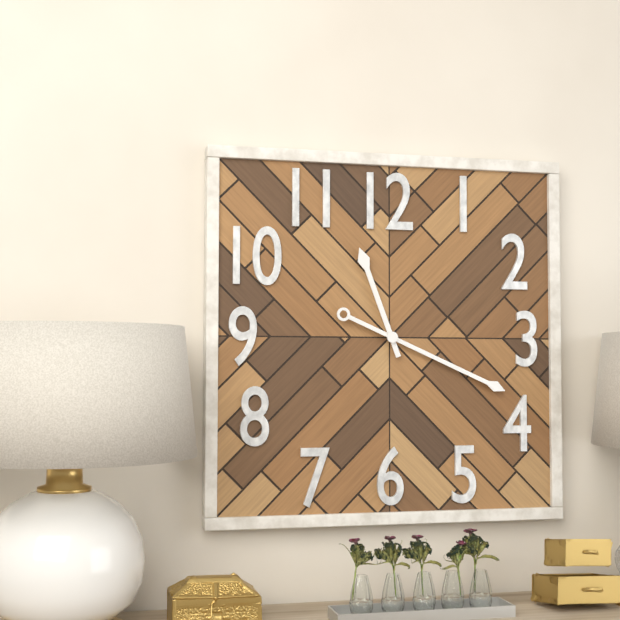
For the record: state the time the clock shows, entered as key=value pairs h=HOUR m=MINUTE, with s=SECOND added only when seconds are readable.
h=11 m=19
